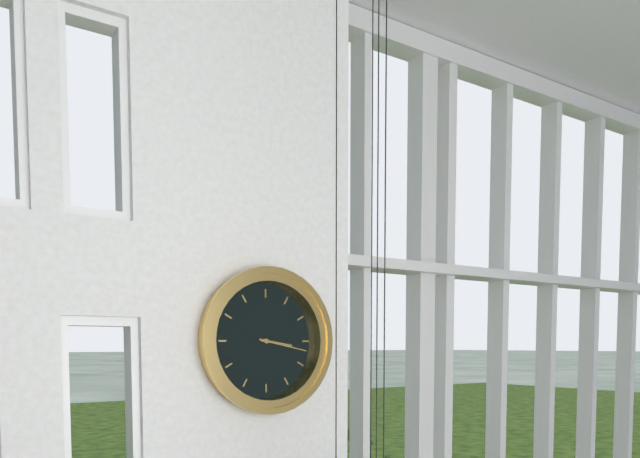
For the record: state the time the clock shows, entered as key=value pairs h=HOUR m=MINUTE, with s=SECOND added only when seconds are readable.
h=3 m=17
